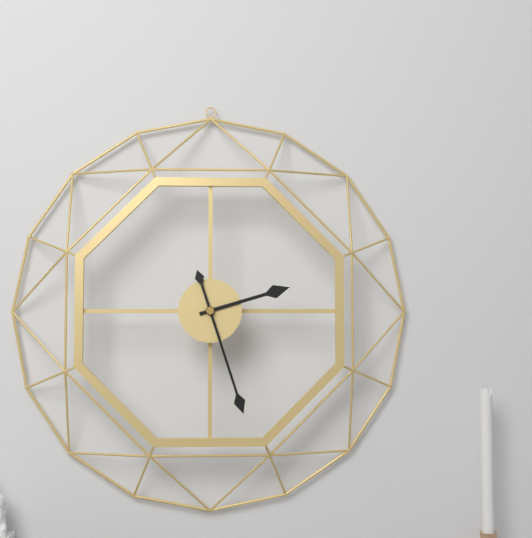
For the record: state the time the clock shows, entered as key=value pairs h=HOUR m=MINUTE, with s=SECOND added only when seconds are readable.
h=2 m=27
